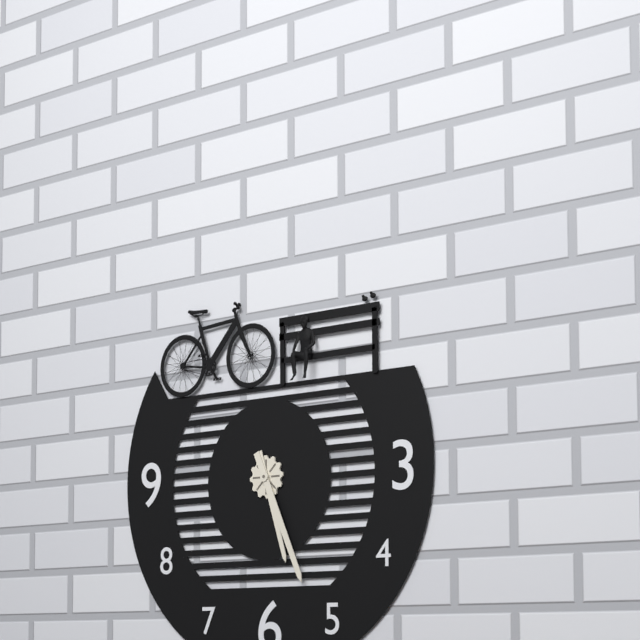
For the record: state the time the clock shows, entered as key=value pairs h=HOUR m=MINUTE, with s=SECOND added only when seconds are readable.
h=5 m=26
